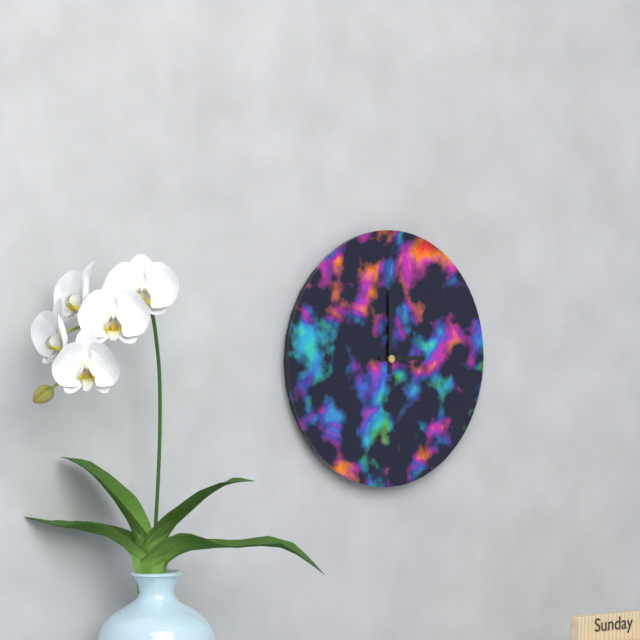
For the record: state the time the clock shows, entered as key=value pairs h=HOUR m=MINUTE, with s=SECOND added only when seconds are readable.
h=3 m=0
